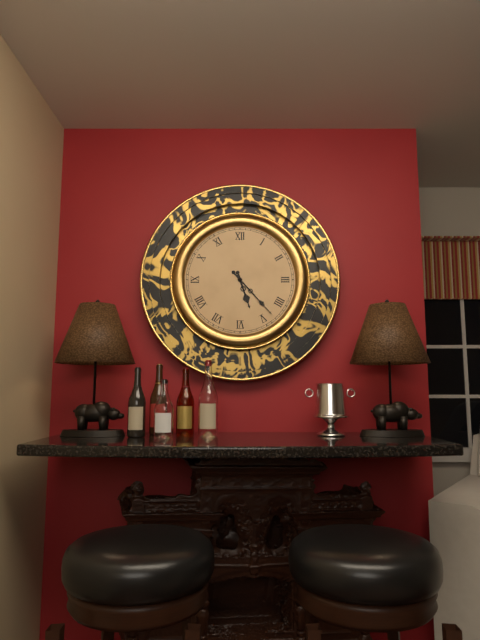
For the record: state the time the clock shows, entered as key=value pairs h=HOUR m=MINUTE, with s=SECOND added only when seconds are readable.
h=5 m=23
